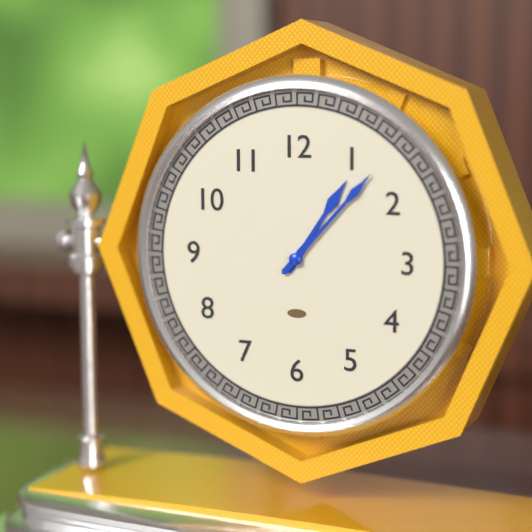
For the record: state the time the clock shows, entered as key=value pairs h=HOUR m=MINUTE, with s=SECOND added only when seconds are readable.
h=1 m=7
